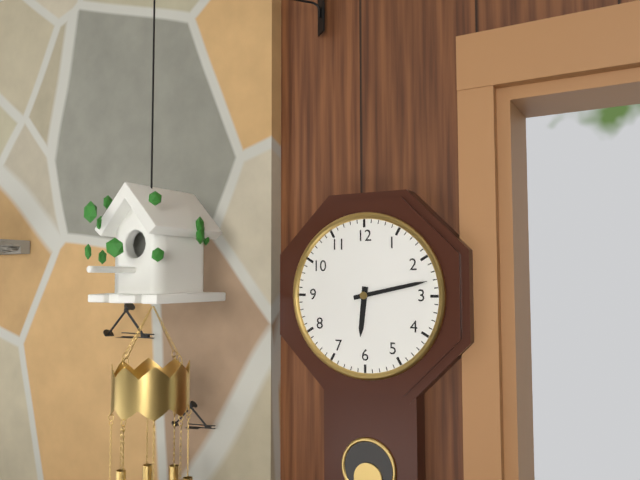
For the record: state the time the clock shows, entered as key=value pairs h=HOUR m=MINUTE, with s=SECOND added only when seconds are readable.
h=6 m=13
